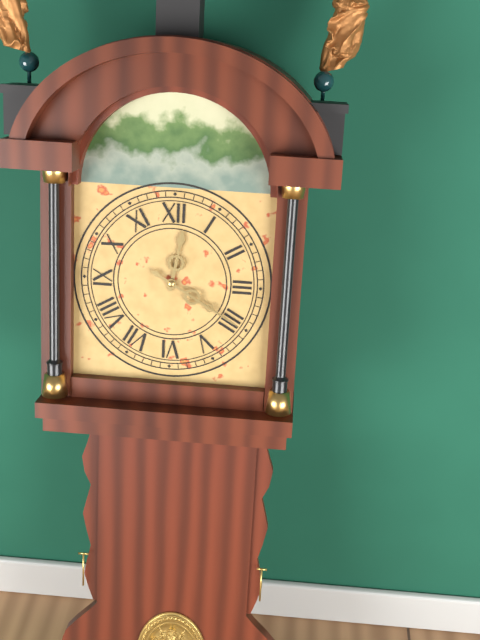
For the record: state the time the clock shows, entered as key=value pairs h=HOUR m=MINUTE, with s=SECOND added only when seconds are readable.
h=12 m=20
